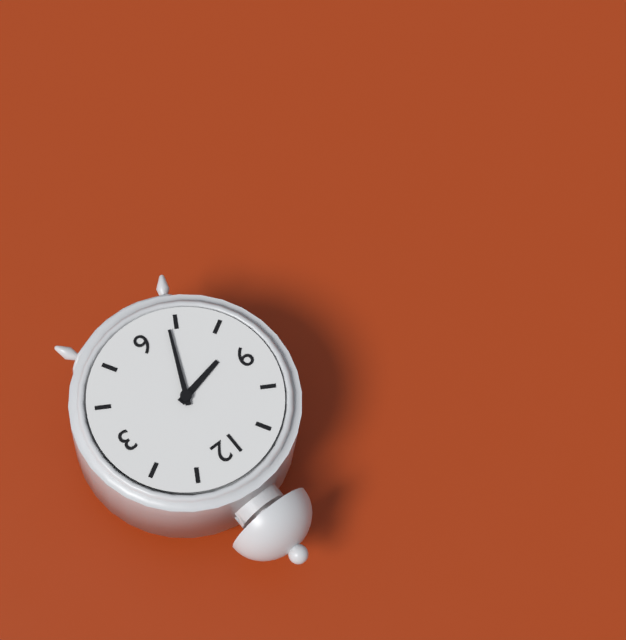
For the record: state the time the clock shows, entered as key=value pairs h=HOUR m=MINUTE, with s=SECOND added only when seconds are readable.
h=8 m=34
